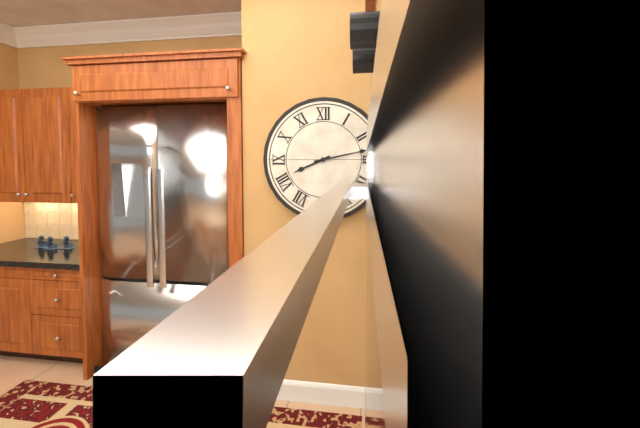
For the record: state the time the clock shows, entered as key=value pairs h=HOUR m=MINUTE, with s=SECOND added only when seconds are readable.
h=8 m=13
